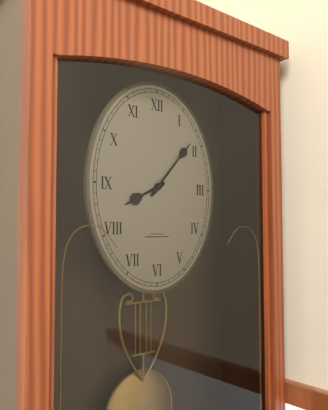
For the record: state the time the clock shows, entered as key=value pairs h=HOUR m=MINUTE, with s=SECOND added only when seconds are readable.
h=8 m=7
